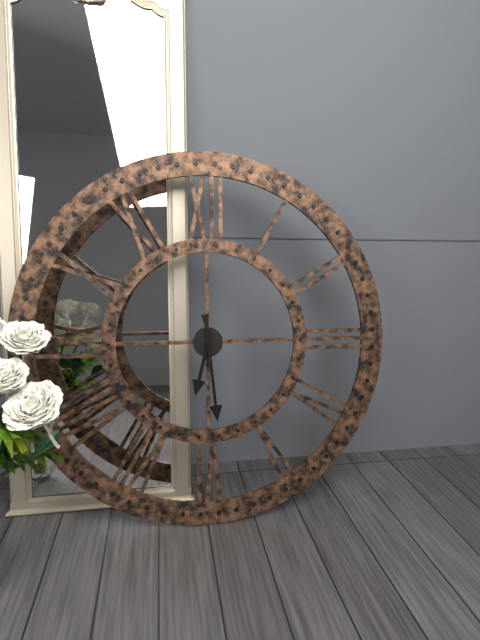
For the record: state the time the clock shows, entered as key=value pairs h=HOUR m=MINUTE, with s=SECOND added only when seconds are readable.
h=6 m=29
